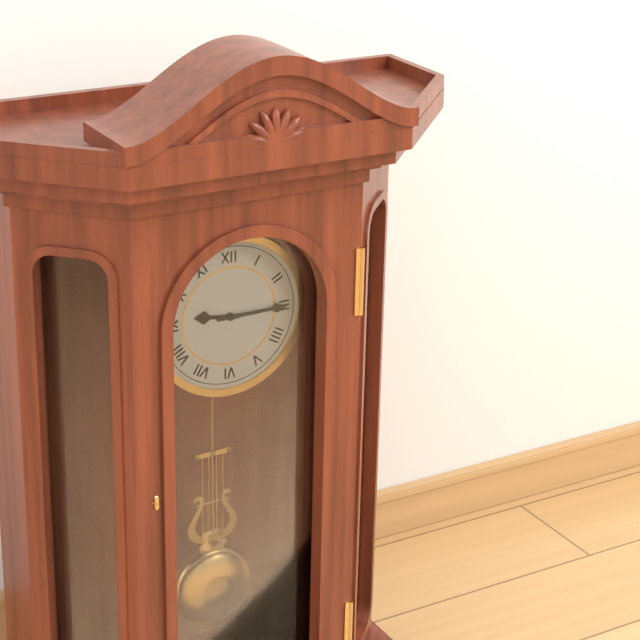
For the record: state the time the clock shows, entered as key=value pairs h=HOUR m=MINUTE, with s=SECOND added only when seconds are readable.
h=9 m=15
